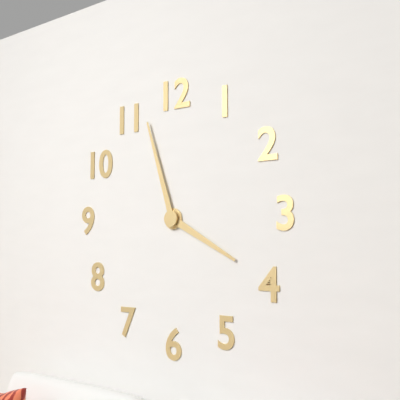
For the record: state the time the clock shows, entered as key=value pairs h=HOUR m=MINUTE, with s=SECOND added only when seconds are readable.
h=3 m=57
